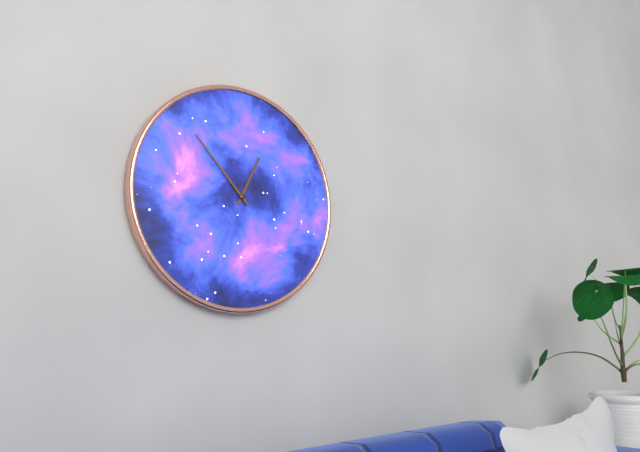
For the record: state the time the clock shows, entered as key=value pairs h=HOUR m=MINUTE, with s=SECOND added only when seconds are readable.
h=12 m=53
